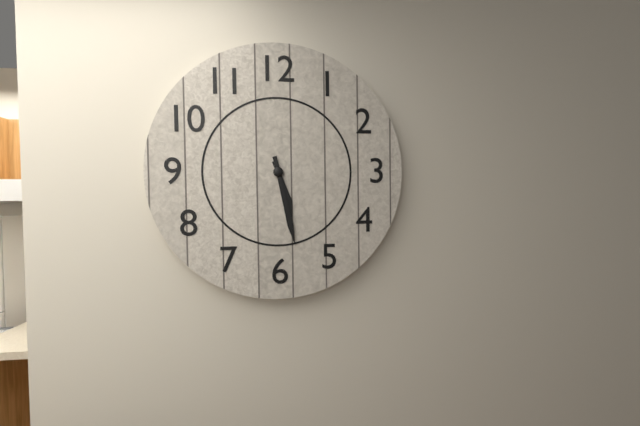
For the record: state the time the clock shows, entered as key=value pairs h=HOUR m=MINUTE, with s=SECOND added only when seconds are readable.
h=5 m=28
